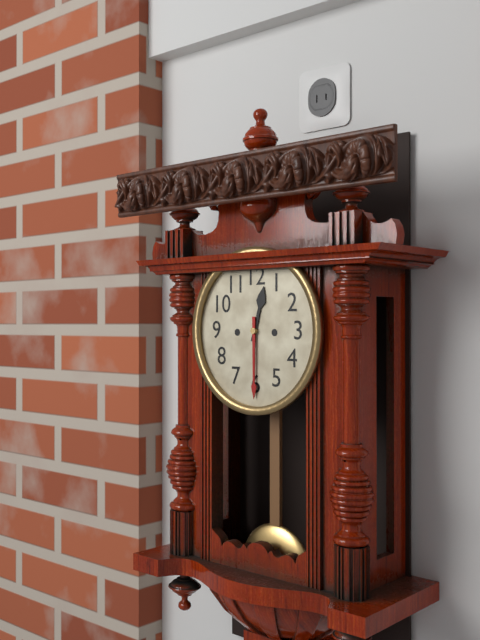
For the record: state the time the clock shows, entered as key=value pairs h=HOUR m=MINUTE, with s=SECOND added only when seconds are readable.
h=12 m=30
